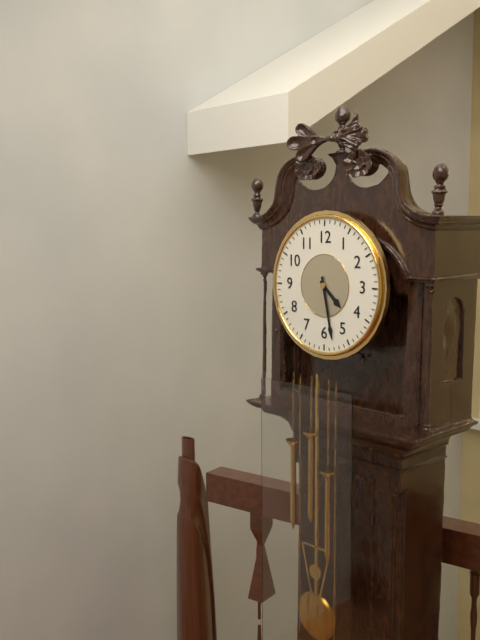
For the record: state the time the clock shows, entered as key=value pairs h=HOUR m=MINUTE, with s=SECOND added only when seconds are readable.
h=4 m=28
